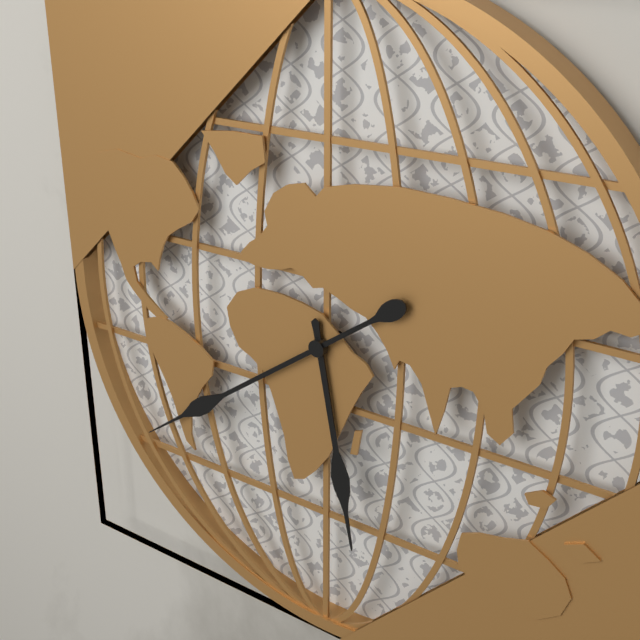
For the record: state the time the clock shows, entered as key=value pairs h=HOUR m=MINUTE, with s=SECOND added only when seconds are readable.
h=5 m=39
